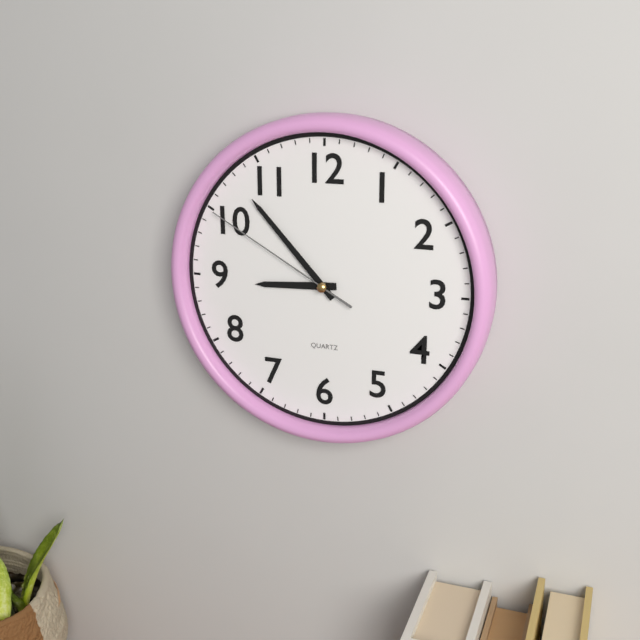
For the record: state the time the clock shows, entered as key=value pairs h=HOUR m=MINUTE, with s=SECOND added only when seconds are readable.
h=8 m=53 s=50
